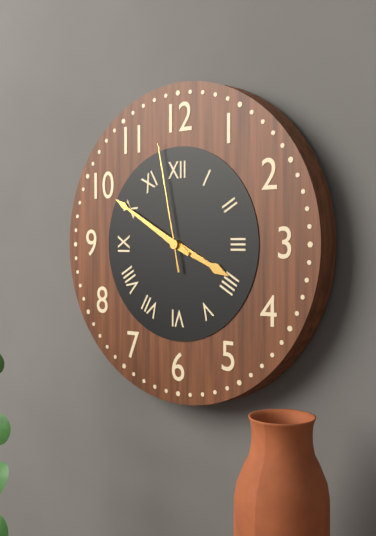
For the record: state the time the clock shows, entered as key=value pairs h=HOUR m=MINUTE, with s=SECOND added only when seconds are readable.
h=3 m=50 s=58
